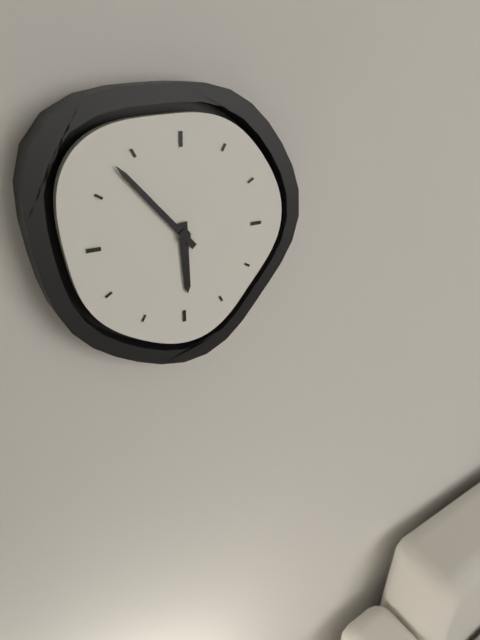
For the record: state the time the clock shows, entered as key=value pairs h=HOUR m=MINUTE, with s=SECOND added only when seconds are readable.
h=5 m=53
